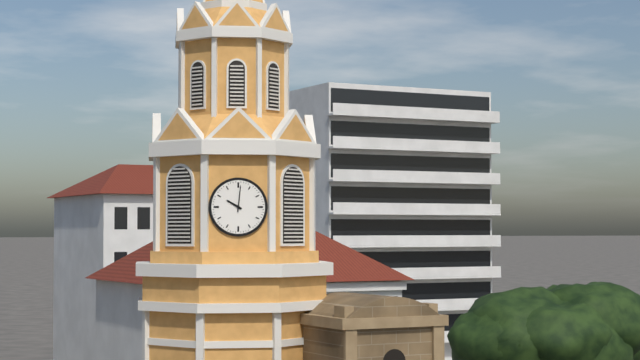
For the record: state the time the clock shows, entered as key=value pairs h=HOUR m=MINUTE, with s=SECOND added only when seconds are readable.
h=10 m=1
